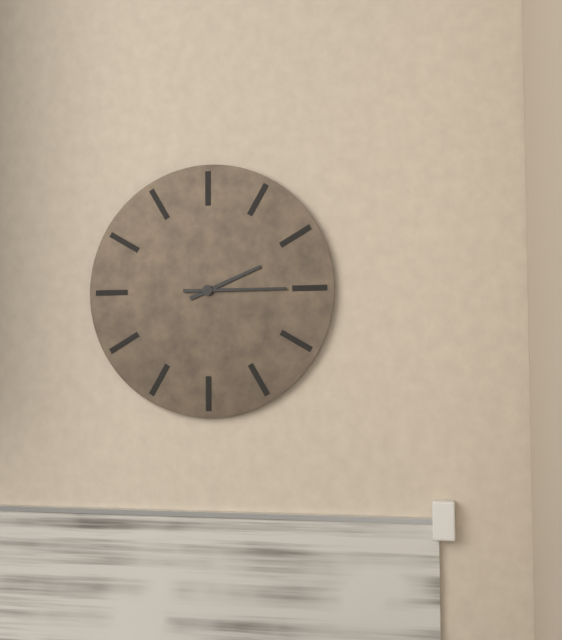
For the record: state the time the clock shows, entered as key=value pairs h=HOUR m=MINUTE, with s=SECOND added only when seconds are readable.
h=2 m=15
